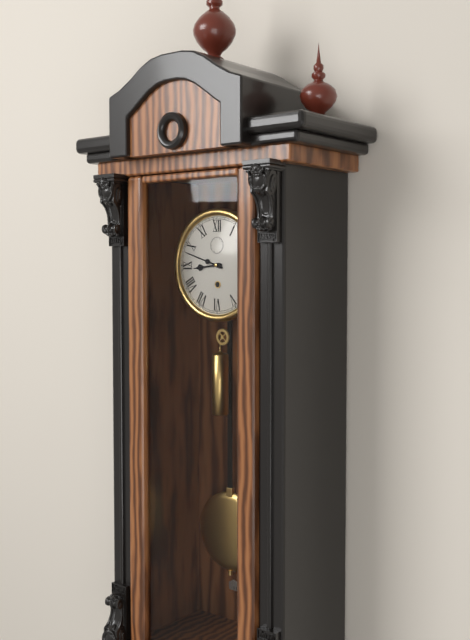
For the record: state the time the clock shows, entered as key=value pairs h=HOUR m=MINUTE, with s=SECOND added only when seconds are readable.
h=8 m=48
